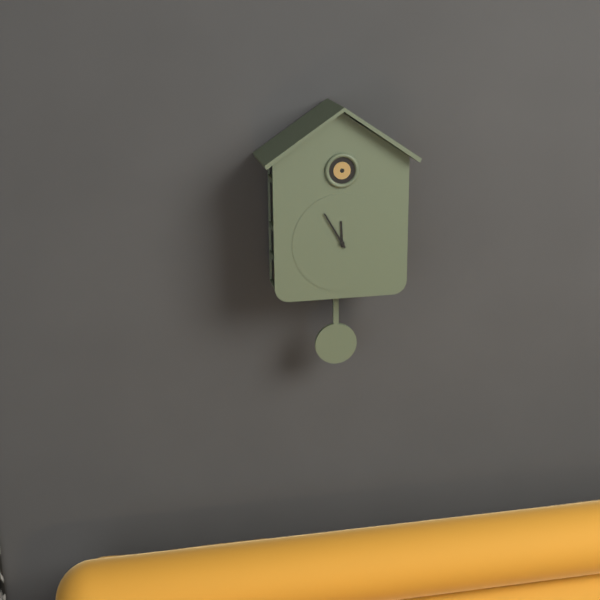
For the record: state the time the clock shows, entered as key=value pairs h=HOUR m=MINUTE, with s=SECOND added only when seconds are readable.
h=11 m=55
